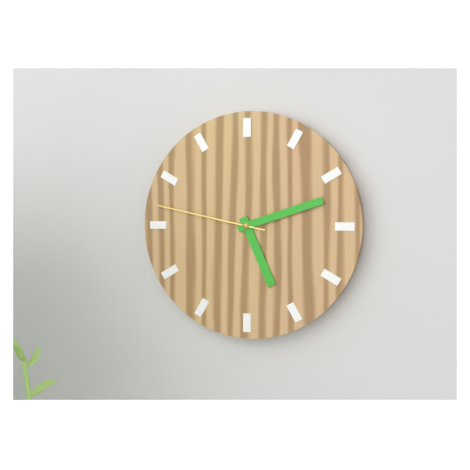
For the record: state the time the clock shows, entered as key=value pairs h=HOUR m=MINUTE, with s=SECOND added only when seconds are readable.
h=5 m=12 s=47
